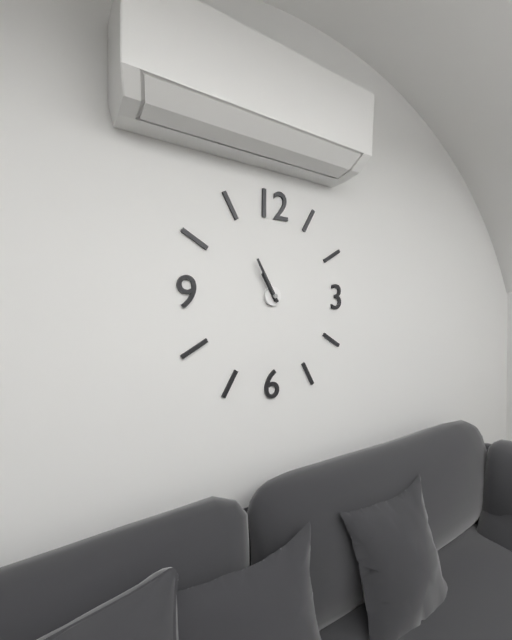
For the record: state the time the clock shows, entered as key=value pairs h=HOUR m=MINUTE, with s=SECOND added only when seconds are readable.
h=10 m=55
